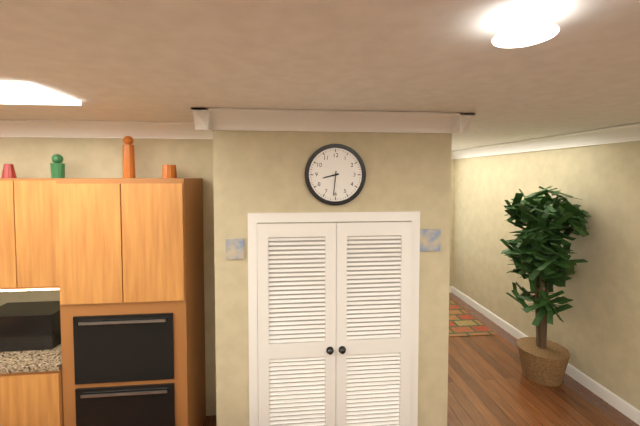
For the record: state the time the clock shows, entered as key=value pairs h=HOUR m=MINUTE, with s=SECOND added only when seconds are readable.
h=8 m=31
